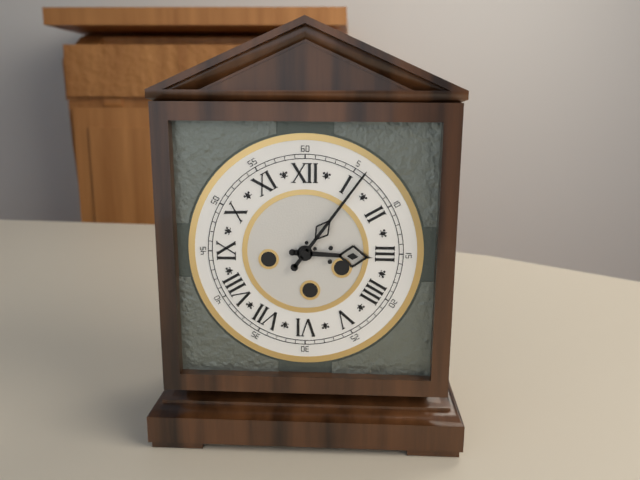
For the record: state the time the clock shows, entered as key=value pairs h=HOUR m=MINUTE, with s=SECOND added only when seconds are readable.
h=3 m=6
